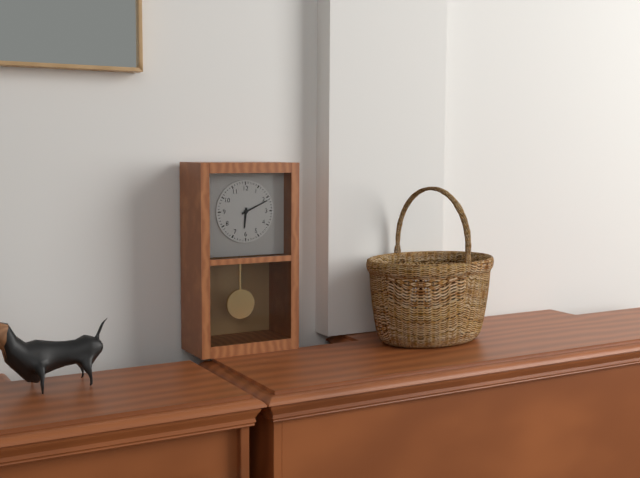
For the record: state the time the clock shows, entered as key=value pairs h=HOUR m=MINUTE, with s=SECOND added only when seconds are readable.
h=6 m=11
